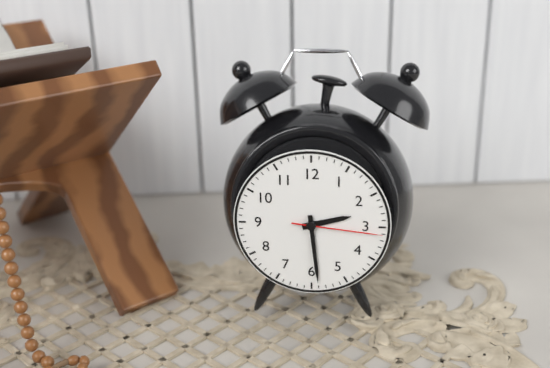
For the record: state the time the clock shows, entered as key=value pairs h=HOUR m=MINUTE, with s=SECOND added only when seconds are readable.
h=2 m=29 s=16
